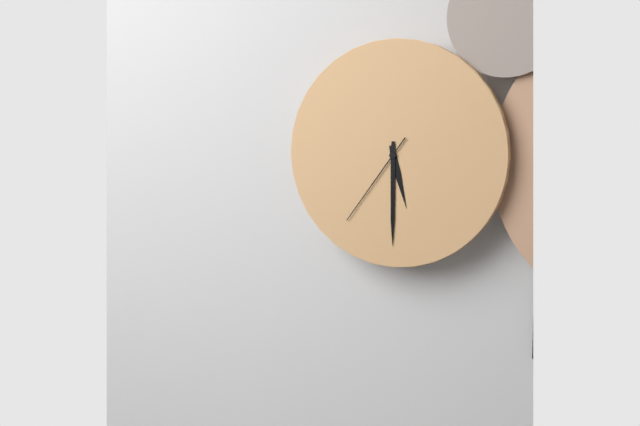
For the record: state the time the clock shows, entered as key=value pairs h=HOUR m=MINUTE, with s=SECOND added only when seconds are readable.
h=5 m=30 s=36
